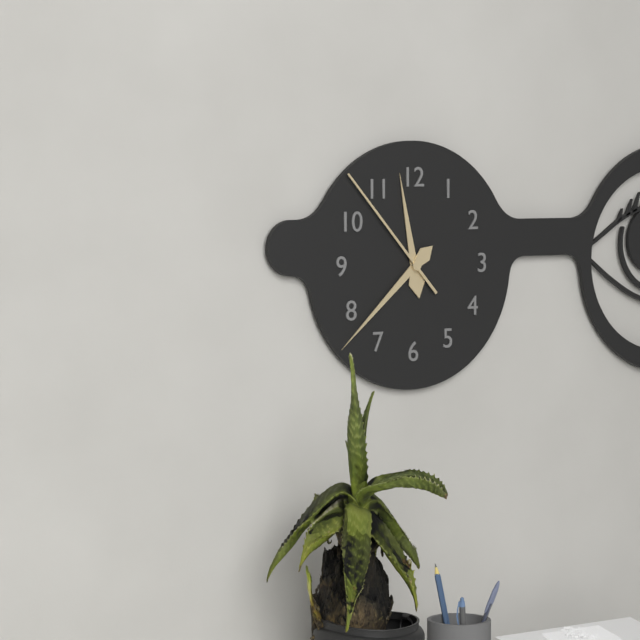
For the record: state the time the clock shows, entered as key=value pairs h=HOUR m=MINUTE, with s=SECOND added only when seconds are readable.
h=11 m=38 s=53
